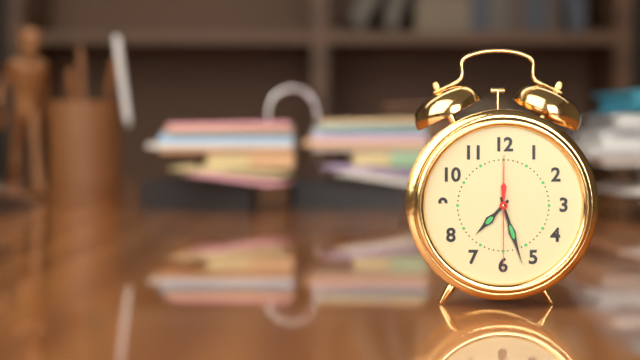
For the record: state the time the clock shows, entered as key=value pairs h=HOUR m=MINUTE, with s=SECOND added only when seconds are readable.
h=7 m=27 s=30
